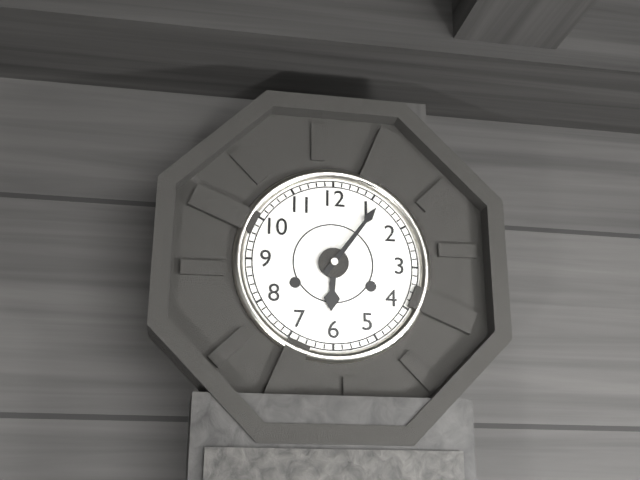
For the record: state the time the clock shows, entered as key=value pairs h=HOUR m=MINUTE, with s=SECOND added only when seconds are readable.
h=6 m=6
